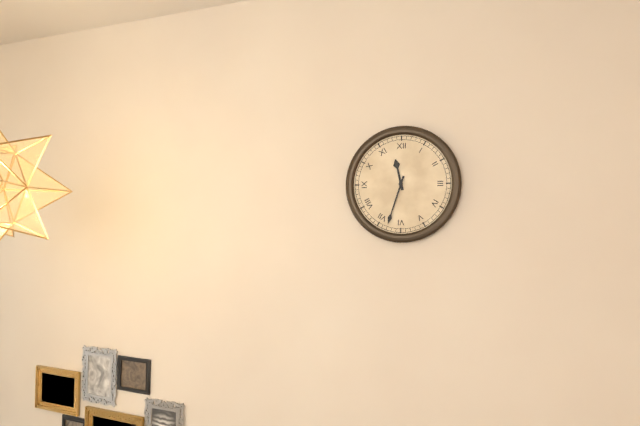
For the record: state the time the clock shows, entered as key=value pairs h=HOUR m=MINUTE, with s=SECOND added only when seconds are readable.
h=11 m=33
